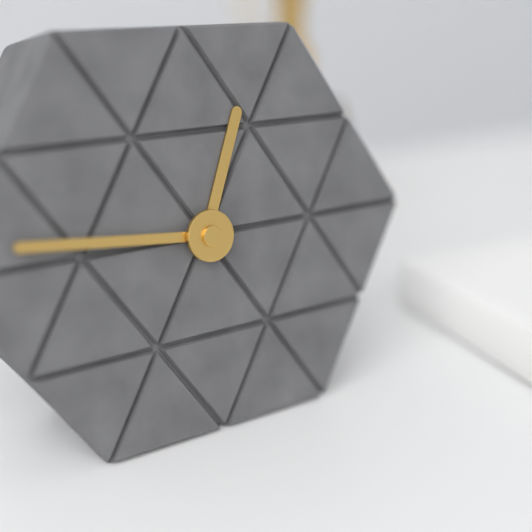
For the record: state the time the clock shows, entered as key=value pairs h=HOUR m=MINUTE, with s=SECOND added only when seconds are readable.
h=12 m=46
